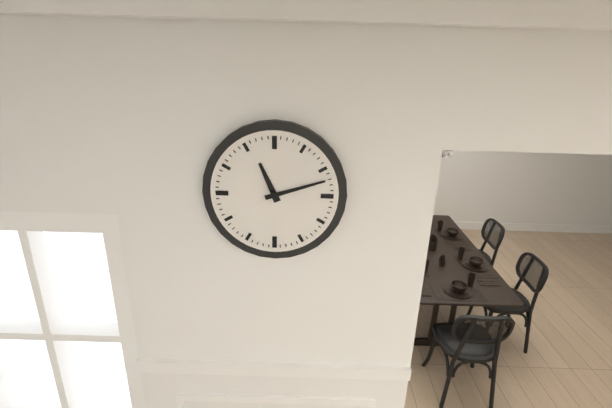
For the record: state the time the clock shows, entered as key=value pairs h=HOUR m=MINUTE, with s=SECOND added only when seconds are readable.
h=11 m=12
